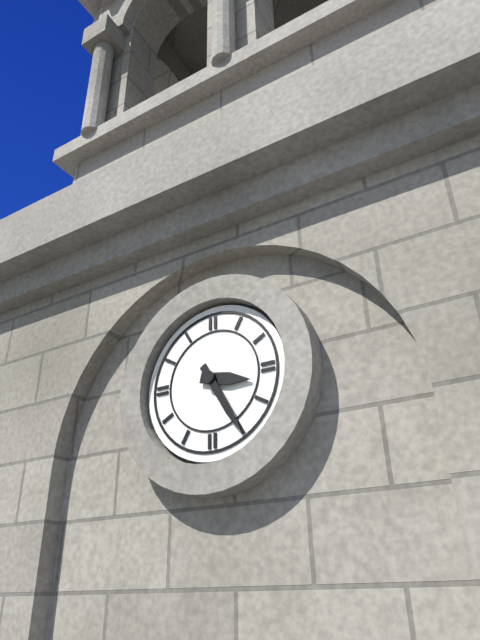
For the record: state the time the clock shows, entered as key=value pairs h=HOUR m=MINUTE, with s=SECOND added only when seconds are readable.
h=3 m=25
